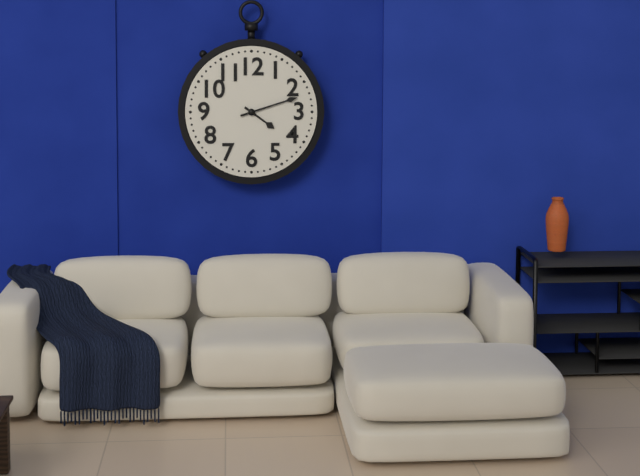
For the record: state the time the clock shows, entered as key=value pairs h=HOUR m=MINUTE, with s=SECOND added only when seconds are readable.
h=4 m=12
